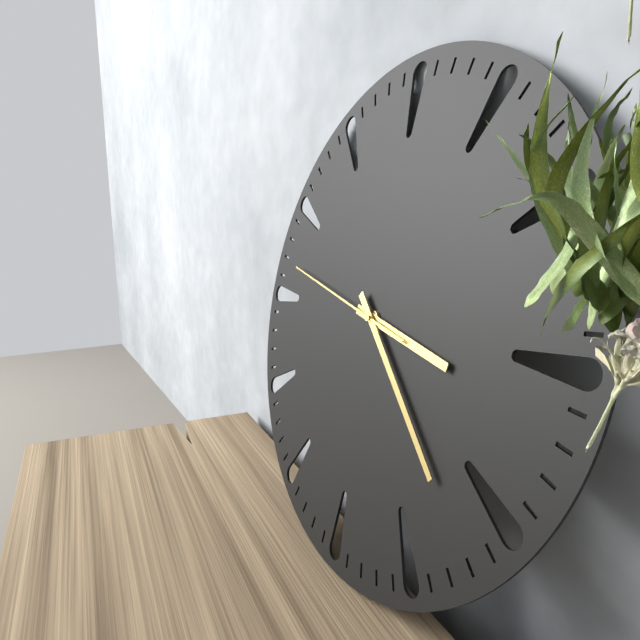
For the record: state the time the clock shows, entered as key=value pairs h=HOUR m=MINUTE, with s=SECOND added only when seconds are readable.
h=3 m=22 s=47
